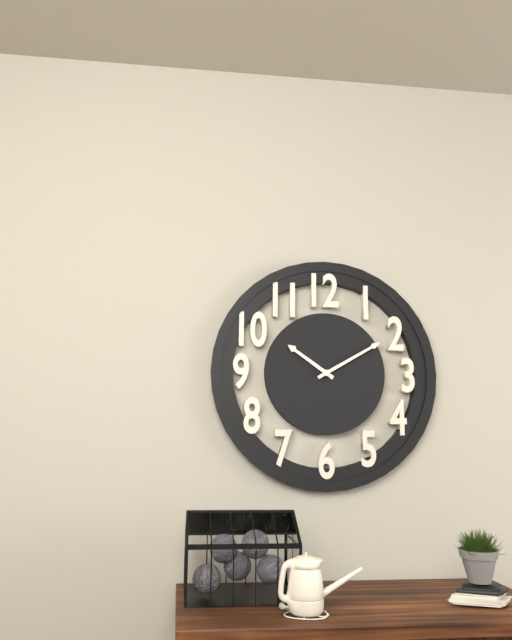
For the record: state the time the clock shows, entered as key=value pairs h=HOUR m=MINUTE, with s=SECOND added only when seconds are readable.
h=10 m=10
